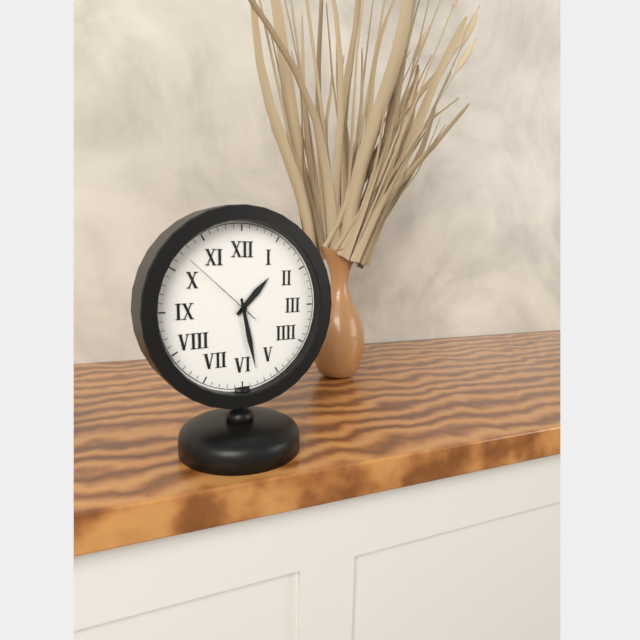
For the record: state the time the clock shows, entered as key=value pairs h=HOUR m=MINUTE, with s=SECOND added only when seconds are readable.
h=1 m=28 s=52
